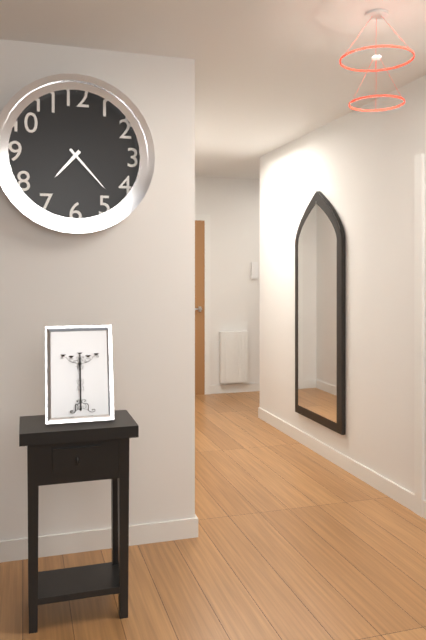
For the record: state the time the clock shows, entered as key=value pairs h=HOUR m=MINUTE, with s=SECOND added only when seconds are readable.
h=7 m=23
